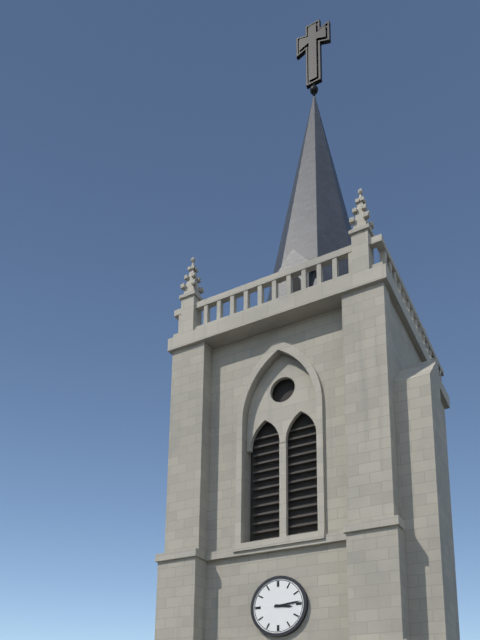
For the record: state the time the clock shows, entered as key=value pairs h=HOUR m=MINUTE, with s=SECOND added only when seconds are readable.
h=3 m=14
